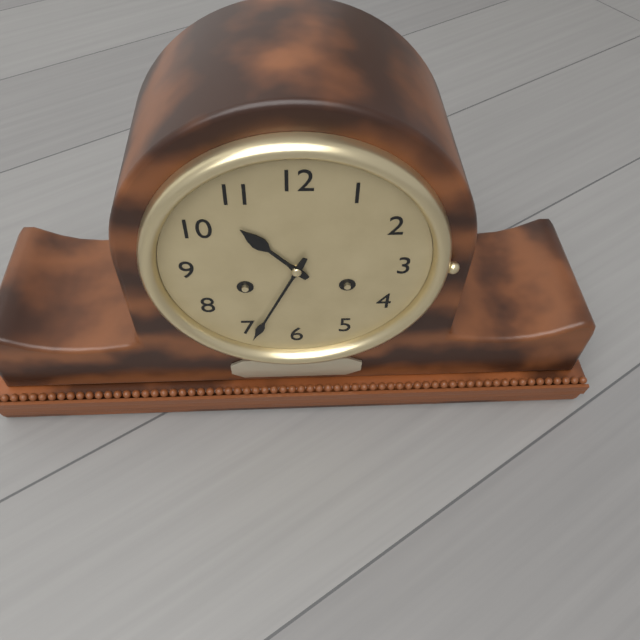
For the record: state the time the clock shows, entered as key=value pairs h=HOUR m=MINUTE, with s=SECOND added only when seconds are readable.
h=10 m=34
